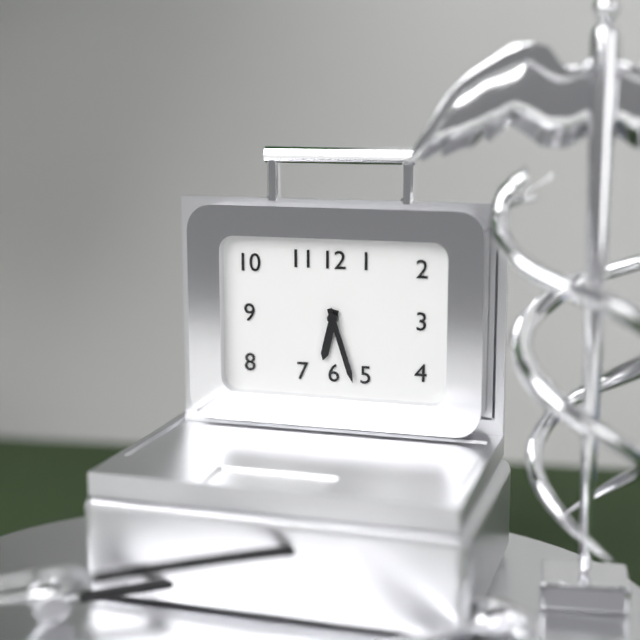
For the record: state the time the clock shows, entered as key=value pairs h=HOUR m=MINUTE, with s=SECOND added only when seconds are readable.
h=6 m=27
